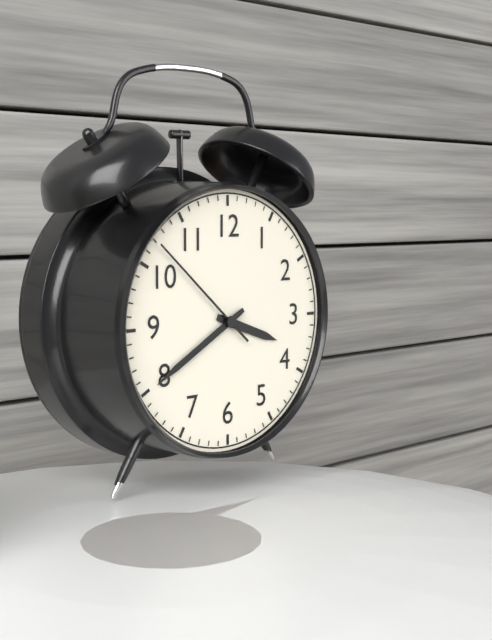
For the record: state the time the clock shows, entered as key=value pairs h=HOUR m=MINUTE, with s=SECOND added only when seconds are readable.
h=3 m=40 s=52
